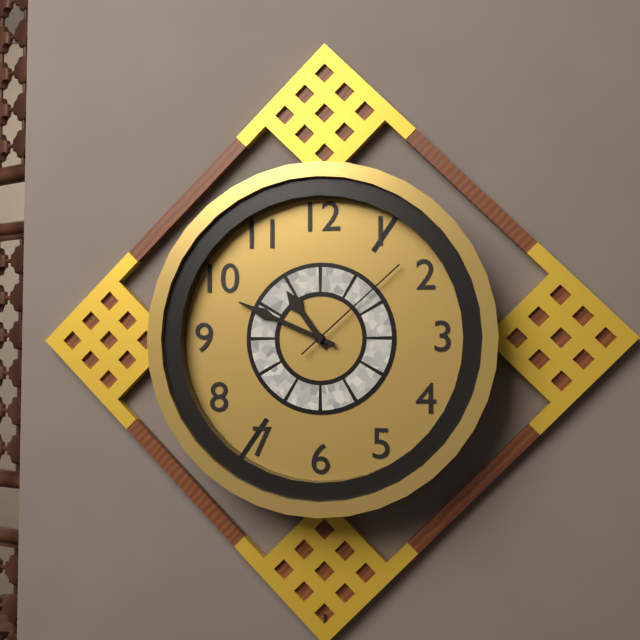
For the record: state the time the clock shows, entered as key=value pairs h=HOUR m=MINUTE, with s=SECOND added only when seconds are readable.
h=10 m=49 s=8
